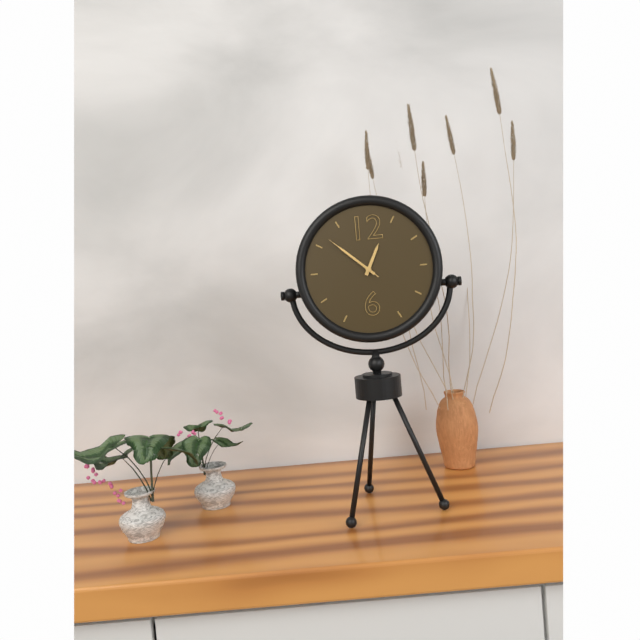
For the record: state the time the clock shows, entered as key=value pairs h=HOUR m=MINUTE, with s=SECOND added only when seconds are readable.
h=12 m=52 s=52
